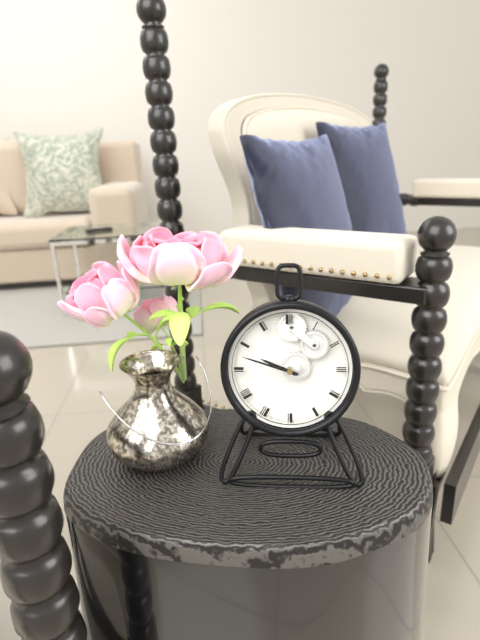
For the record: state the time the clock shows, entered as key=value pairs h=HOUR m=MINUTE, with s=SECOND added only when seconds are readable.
h=9 m=48
